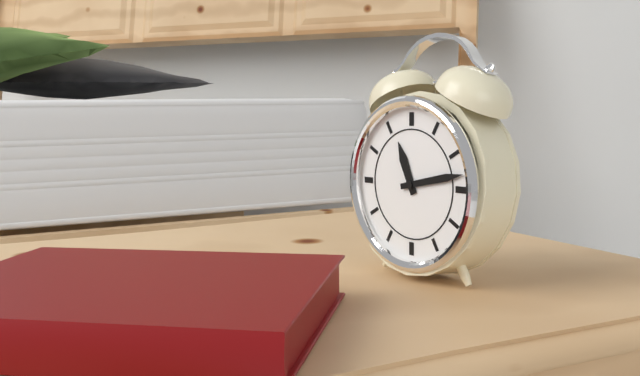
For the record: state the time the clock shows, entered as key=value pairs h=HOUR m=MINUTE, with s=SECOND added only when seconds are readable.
h=11 m=13
